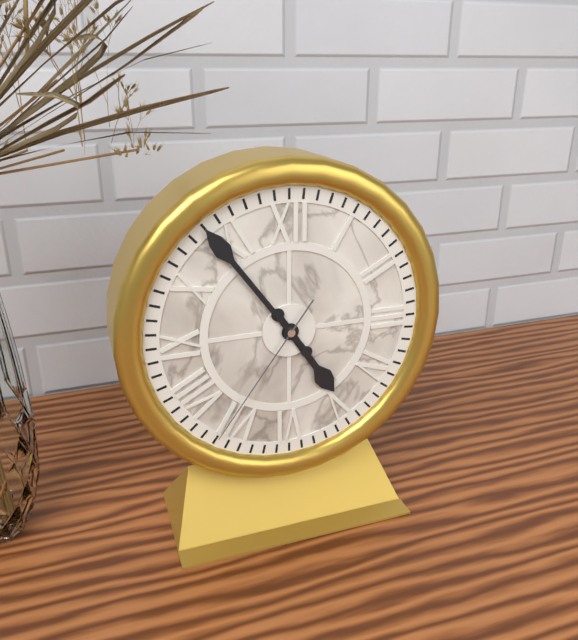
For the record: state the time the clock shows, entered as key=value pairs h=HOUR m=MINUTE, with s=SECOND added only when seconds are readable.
h=4 m=54 s=36
